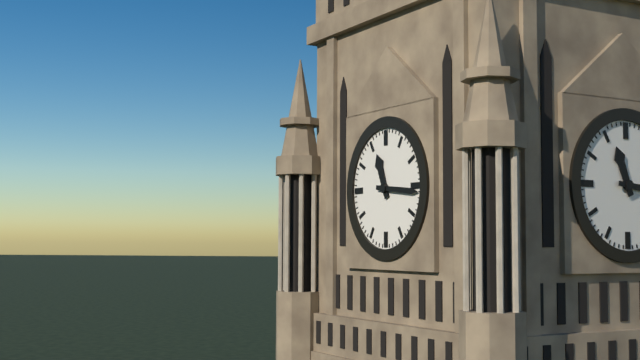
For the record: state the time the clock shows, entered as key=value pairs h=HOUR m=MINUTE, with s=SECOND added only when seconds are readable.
h=11 m=16
